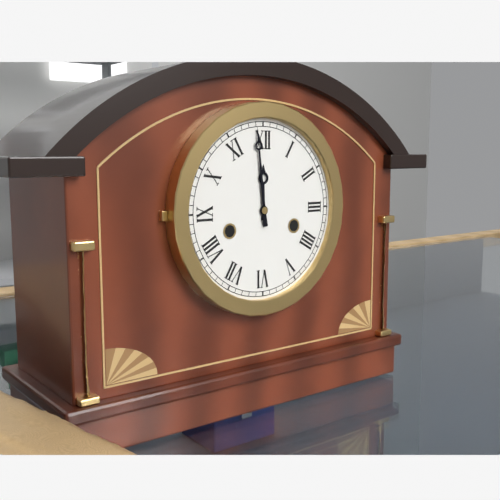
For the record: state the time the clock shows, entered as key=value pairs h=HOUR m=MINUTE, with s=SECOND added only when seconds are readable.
h=11 m=59
